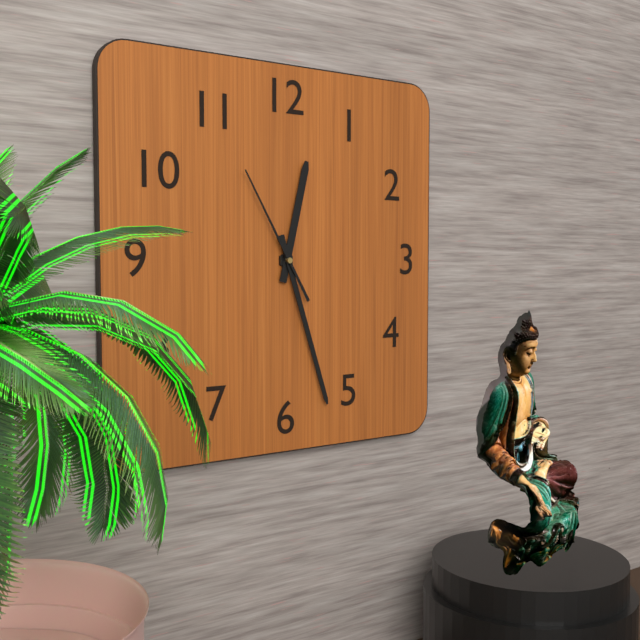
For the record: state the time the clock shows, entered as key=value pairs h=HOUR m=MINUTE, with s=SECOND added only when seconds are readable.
h=12 m=27 s=55
